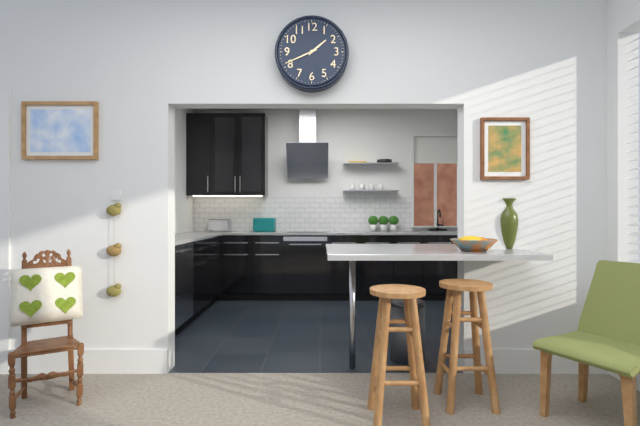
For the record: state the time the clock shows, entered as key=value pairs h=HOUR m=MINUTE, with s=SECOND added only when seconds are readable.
h=1 m=41
